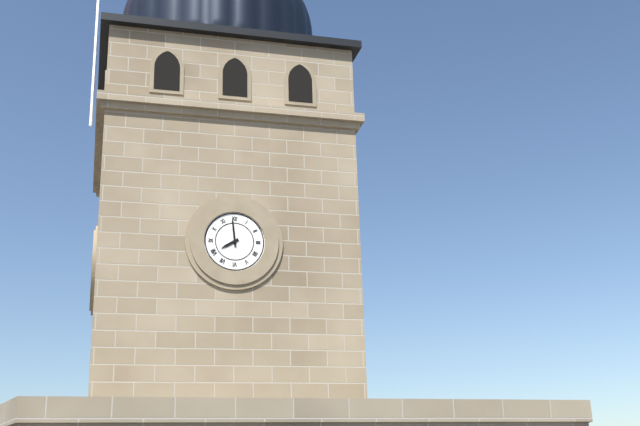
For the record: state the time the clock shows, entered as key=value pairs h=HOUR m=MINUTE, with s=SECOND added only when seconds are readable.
h=7 m=59
